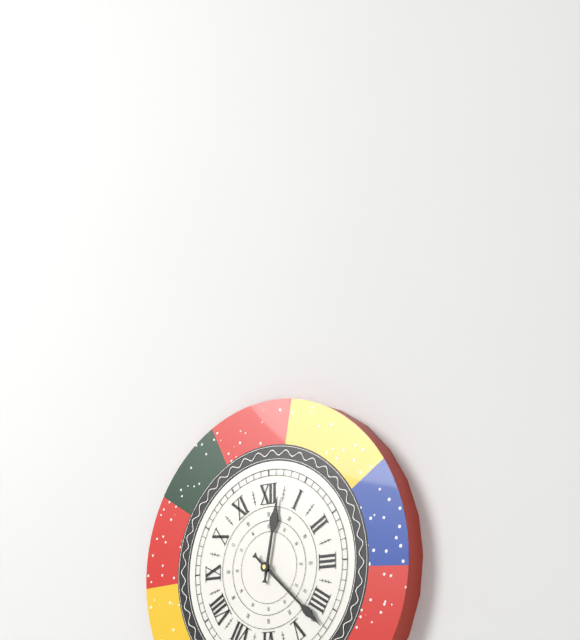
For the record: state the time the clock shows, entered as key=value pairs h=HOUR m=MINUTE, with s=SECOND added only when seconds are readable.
h=12 m=22
